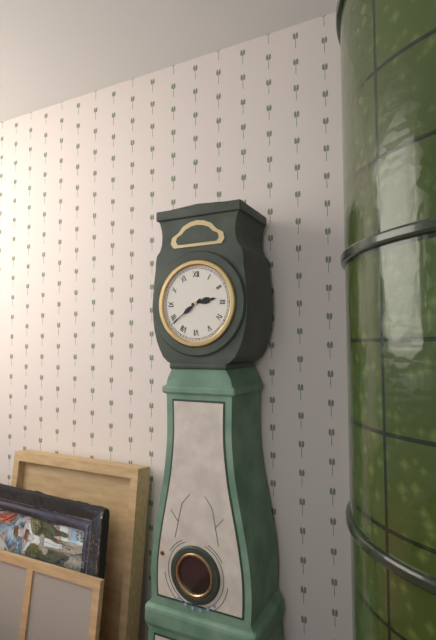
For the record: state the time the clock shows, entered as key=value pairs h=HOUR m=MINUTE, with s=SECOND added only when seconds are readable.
h=2 m=39
